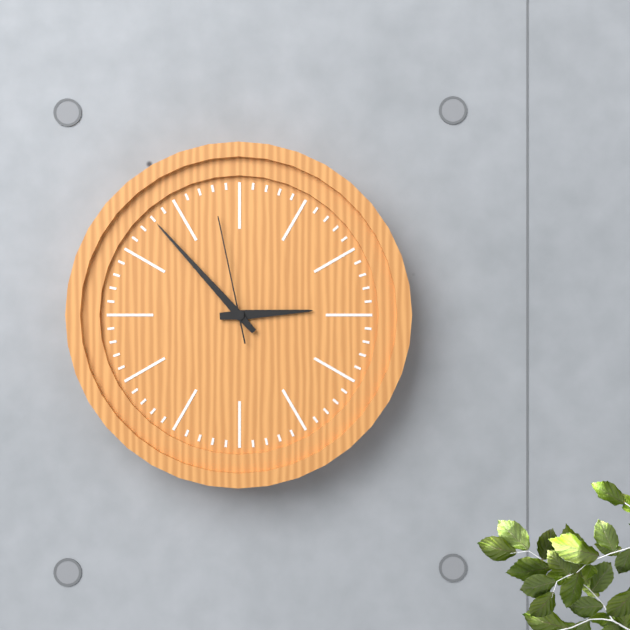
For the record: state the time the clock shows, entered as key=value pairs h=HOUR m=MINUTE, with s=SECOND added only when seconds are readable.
h=2 m=53 s=58
